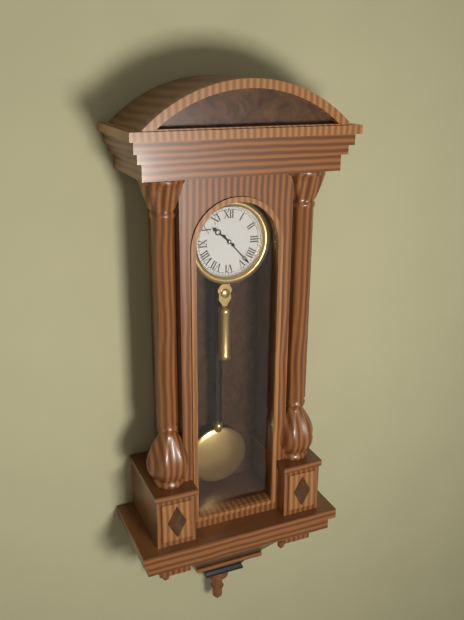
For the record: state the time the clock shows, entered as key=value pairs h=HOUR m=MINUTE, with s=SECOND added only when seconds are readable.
h=10 m=23
